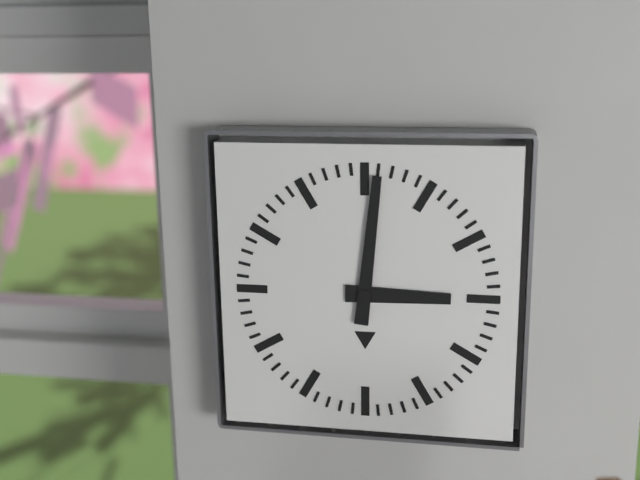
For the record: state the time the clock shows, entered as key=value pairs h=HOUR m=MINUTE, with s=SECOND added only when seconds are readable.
h=3 m=1
